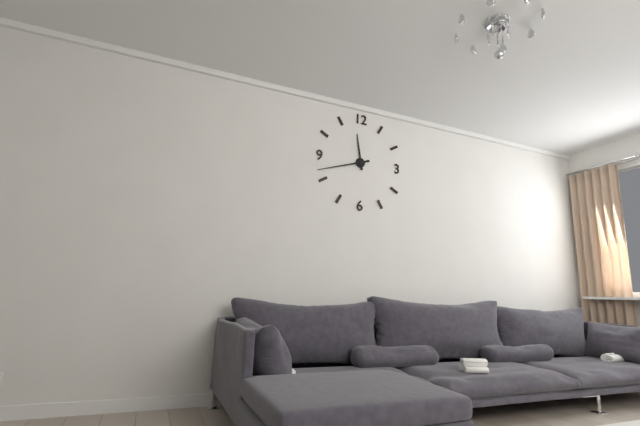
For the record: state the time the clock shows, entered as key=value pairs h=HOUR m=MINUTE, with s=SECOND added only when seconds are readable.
h=11 m=42
